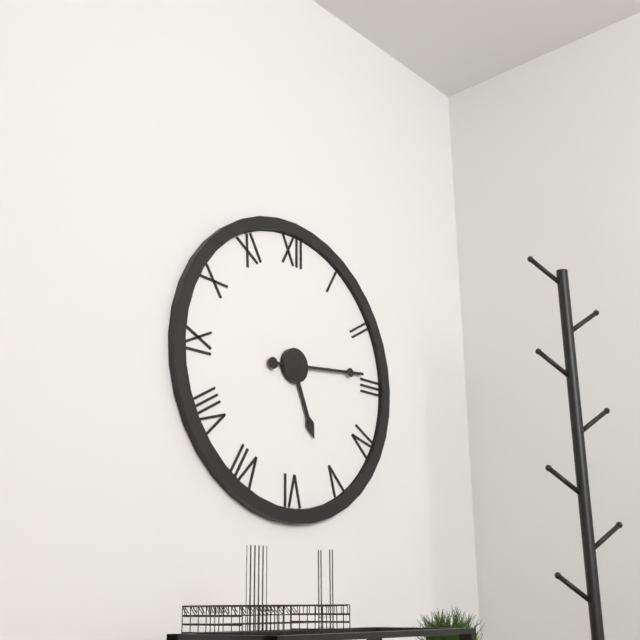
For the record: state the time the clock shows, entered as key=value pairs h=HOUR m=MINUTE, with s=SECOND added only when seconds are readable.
h=5 m=14
